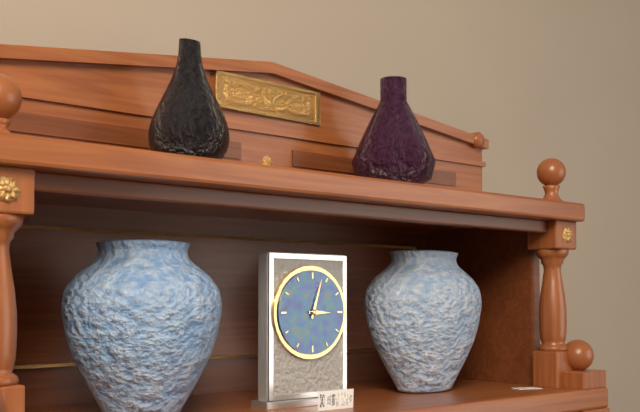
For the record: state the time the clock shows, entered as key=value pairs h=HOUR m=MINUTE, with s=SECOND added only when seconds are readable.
h=3 m=3
